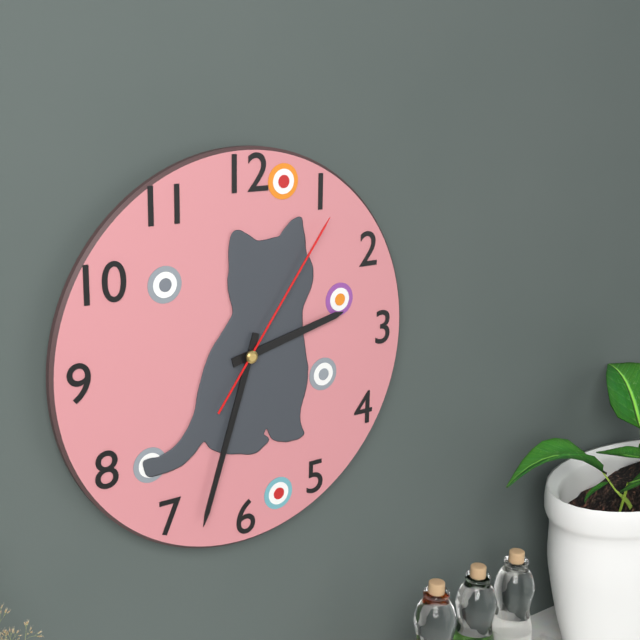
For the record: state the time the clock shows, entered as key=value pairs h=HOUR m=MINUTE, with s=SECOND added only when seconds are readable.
h=2 m=33 s=6
